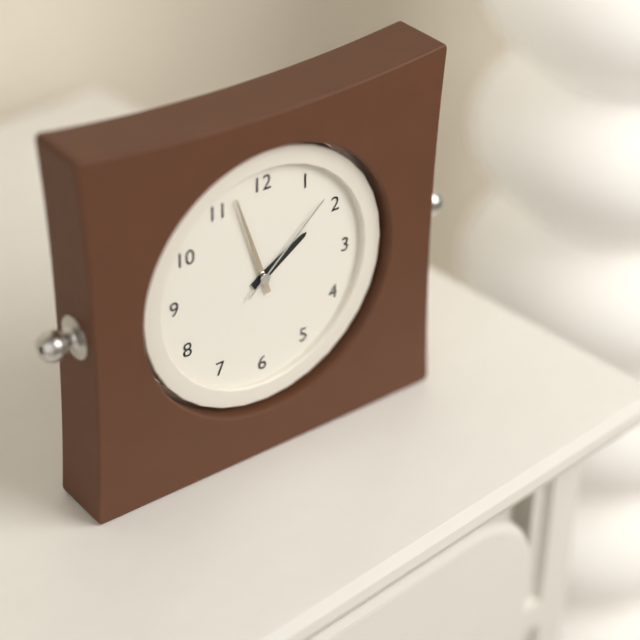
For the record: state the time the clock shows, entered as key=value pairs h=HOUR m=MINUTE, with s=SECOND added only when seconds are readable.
h=1 m=57 s=8
